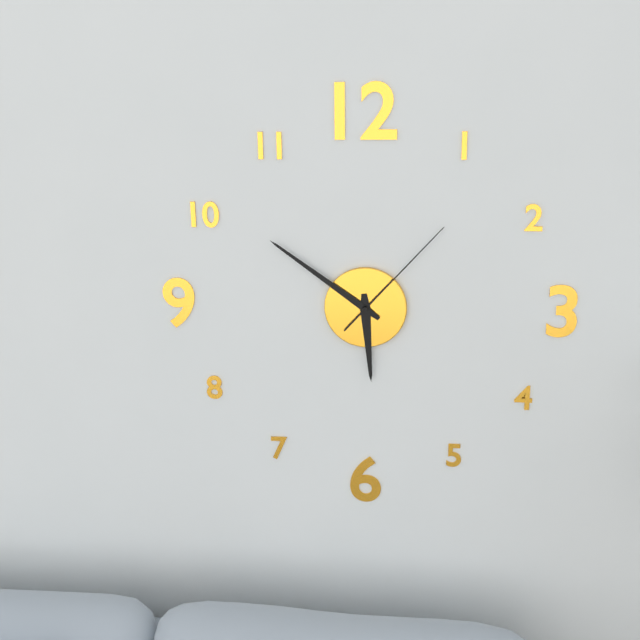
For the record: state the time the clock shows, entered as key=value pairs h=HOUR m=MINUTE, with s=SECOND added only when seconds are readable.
h=5 m=51 s=7
